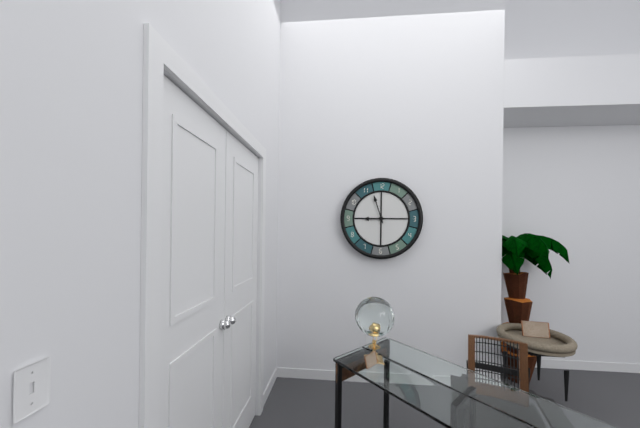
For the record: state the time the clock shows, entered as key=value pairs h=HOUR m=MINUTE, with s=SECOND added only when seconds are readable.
h=8 m=57
